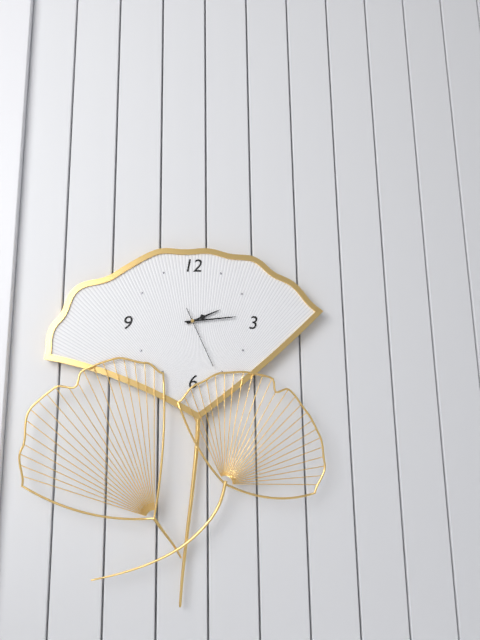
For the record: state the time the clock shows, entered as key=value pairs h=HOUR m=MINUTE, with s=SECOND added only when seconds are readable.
h=2 m=14 s=26
